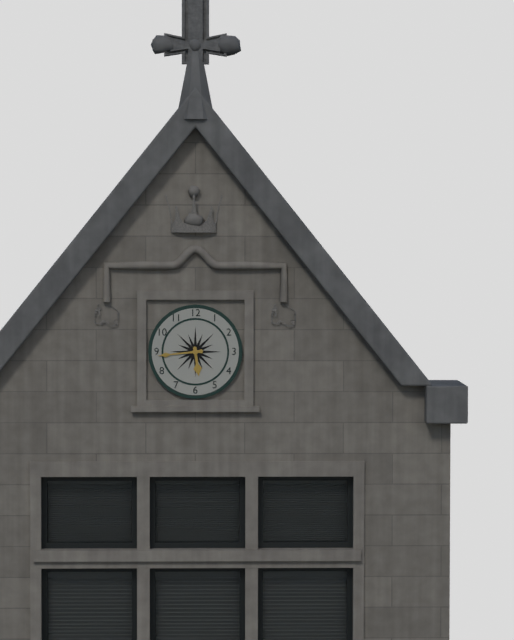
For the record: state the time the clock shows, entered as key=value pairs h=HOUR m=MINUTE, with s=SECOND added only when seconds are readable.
h=5 m=44
